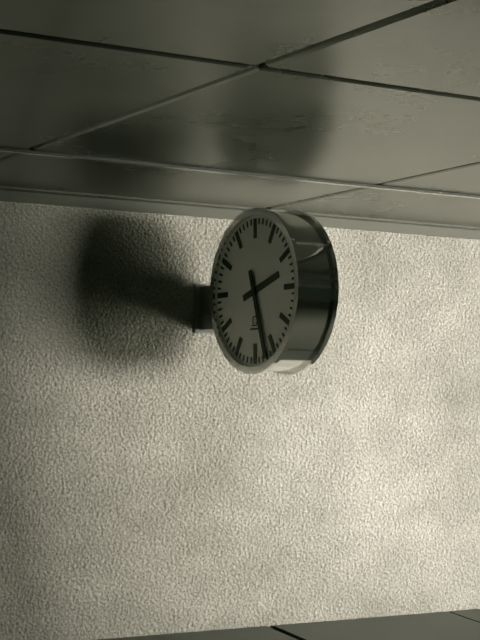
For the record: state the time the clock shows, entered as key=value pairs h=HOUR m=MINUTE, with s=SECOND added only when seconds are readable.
h=2 m=27
